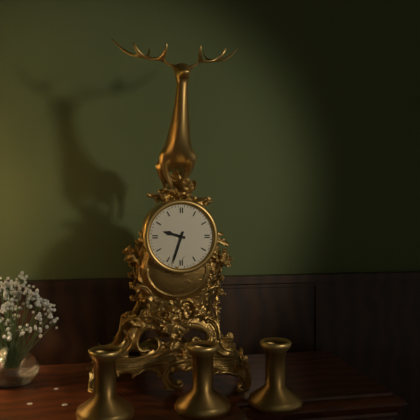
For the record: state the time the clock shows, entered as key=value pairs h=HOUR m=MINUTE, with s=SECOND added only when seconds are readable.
h=9 m=33
